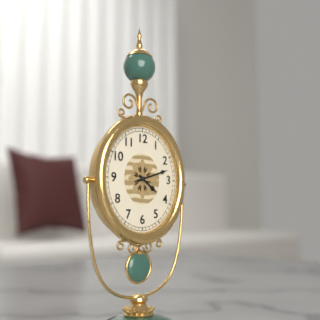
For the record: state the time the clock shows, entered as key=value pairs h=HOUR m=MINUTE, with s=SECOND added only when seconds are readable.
h=4 m=12
